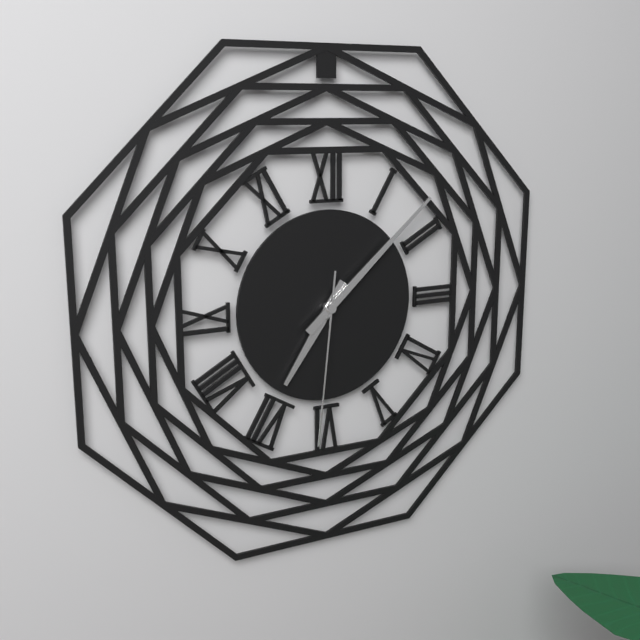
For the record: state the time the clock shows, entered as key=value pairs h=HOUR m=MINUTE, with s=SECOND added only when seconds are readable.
h=7 m=8 s=31
